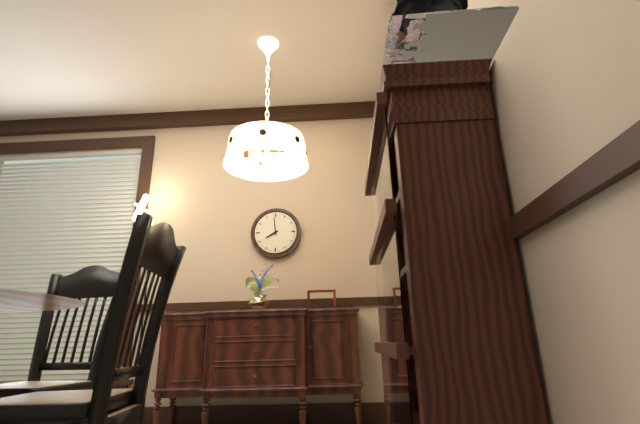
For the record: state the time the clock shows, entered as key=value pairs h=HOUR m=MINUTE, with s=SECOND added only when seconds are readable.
h=7 m=59
